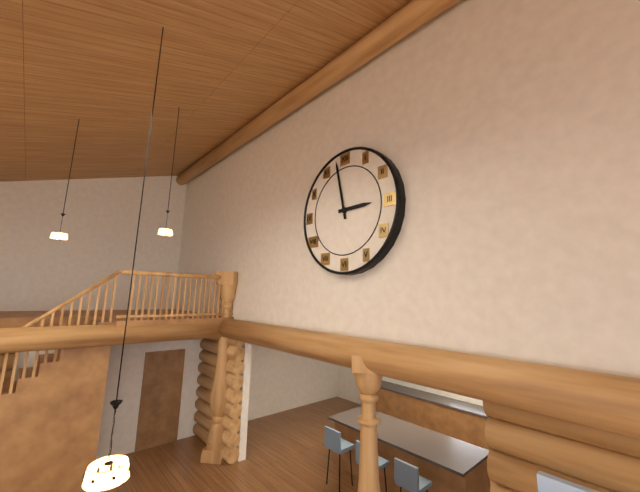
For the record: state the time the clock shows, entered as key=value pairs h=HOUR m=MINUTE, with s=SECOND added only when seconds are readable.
h=2 m=58
